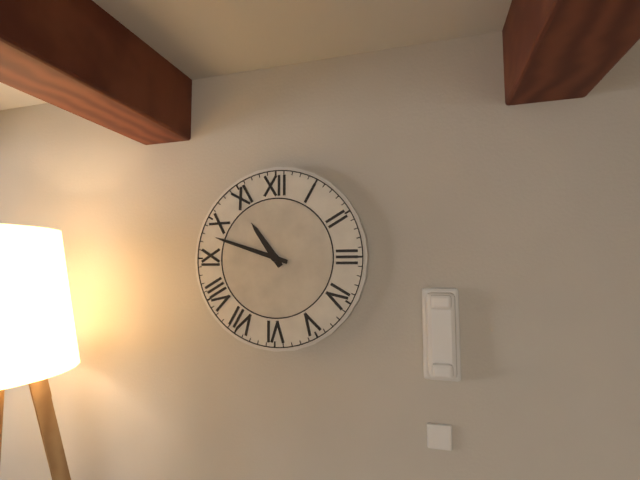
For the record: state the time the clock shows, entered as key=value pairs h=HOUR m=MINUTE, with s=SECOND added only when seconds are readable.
h=10 m=48
